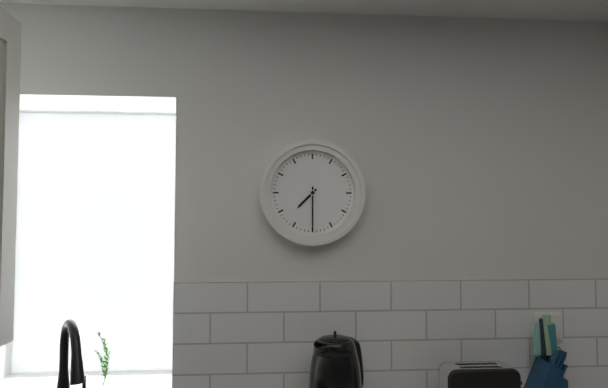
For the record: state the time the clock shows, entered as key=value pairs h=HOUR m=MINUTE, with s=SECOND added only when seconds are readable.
h=7 m=30
